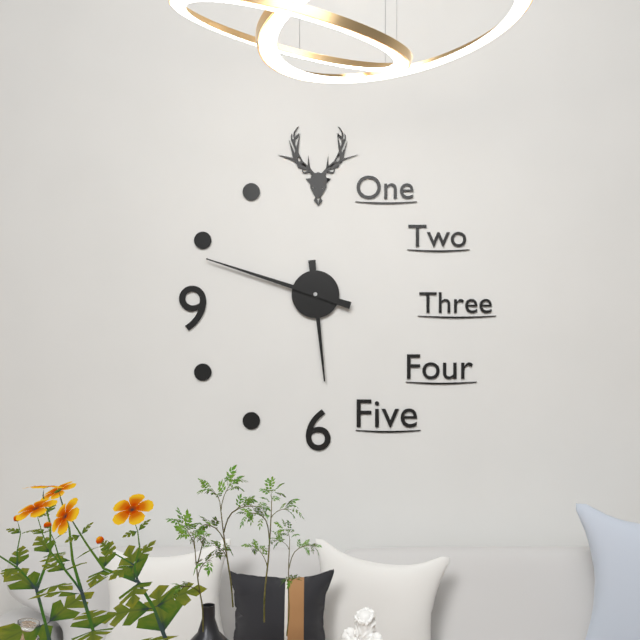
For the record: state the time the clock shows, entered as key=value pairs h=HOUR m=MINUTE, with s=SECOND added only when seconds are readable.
h=5 m=48
